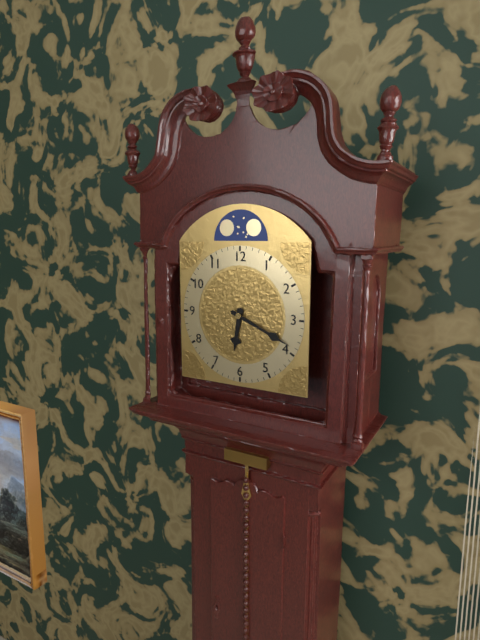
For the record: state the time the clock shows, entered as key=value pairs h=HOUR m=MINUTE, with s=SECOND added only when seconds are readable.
h=6 m=19
